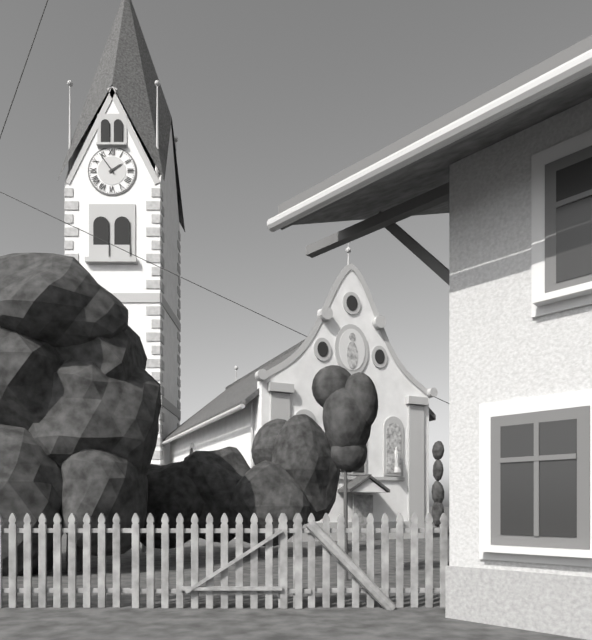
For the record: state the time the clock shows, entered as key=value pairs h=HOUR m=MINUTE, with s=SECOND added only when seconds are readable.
h=1 m=54
